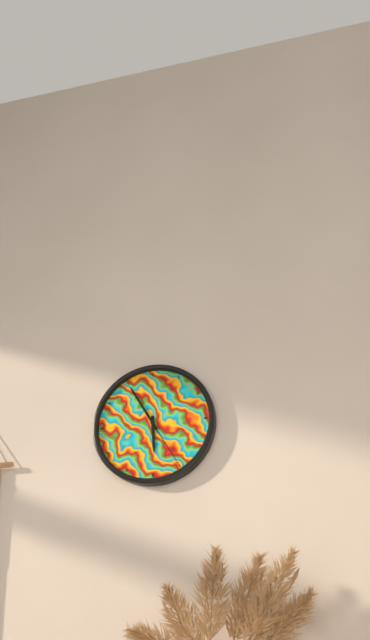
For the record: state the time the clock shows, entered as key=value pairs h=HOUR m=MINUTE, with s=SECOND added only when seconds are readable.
h=5 m=55 s=25
